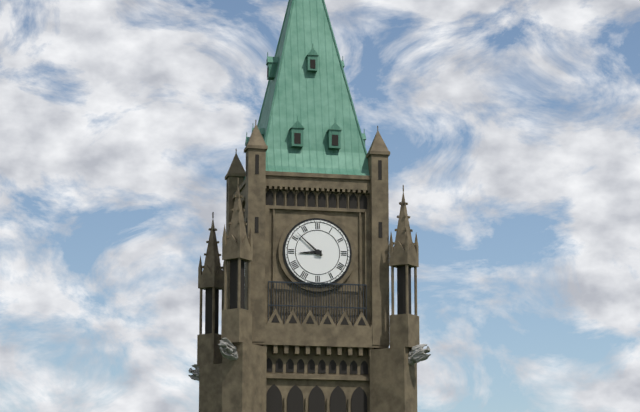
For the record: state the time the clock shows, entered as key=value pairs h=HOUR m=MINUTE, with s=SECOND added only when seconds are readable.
h=8 m=52
